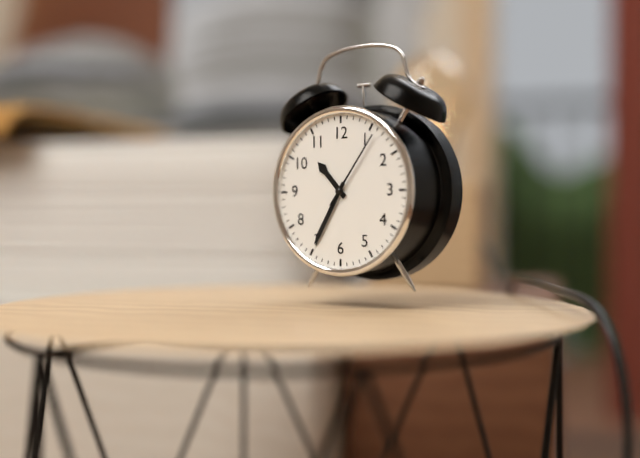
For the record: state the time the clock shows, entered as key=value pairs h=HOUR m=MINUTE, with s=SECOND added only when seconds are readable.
h=10 m=35 s=6
